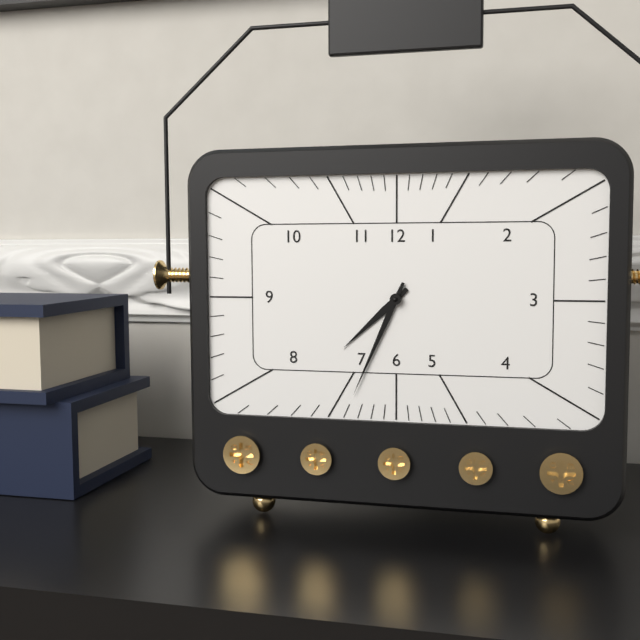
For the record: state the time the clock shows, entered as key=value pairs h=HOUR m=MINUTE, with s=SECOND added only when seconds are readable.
h=7 m=34
